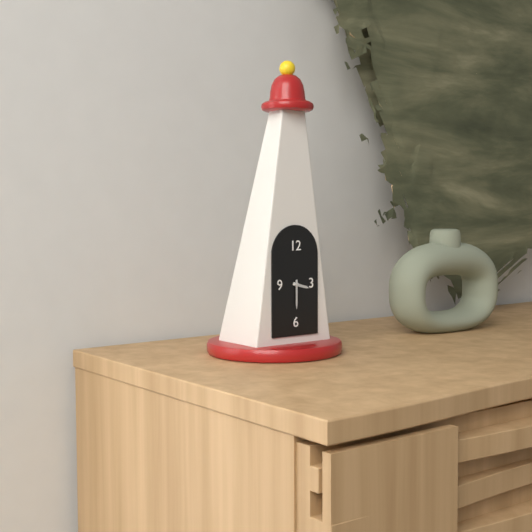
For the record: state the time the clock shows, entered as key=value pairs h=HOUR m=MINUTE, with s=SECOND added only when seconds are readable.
h=3 m=30
